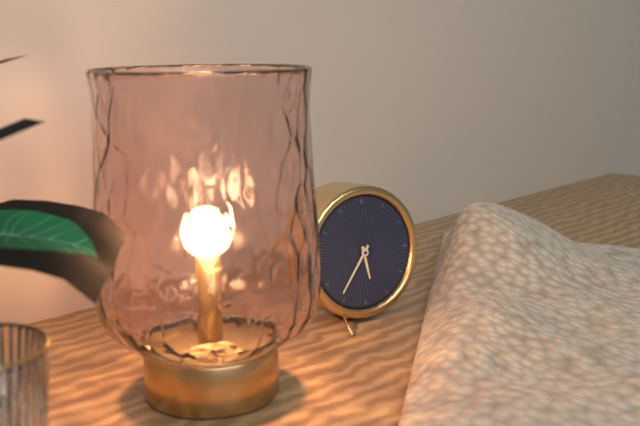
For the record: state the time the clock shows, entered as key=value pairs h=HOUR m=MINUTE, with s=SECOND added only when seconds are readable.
h=5 m=36
